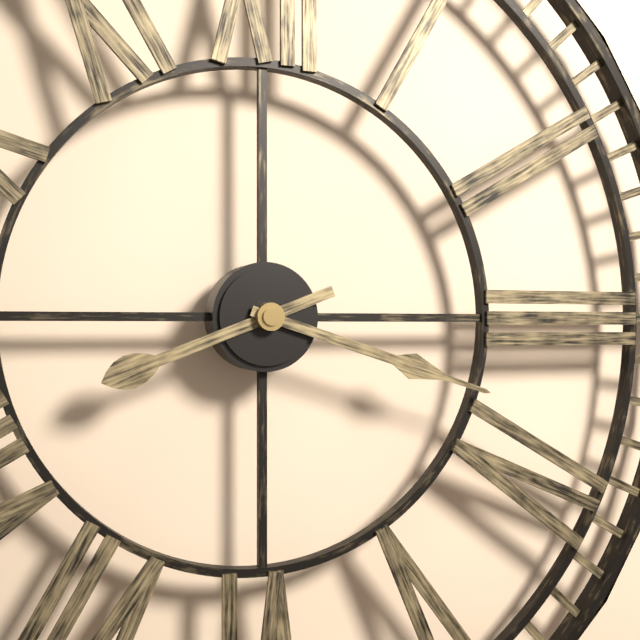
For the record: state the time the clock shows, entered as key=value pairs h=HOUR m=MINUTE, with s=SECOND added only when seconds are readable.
h=8 m=18
